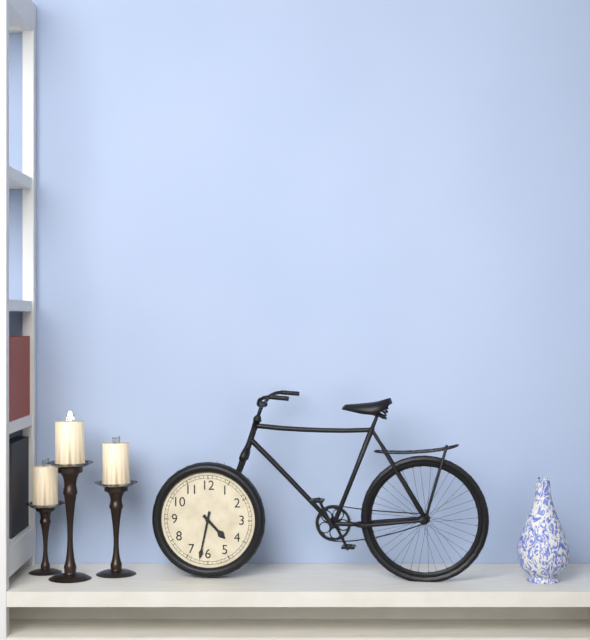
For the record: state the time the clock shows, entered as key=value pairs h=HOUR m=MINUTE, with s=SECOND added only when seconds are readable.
h=4 m=32
